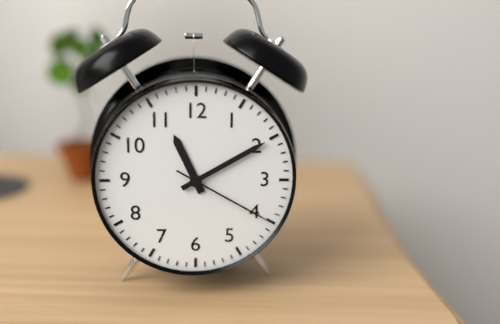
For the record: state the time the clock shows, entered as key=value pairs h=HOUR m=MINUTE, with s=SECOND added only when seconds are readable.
h=11 m=10 s=20
